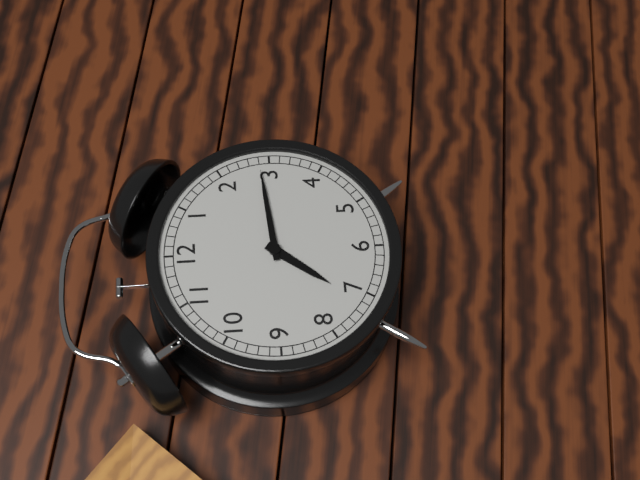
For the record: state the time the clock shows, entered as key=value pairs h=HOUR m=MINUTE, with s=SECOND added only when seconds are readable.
h=7 m=14
